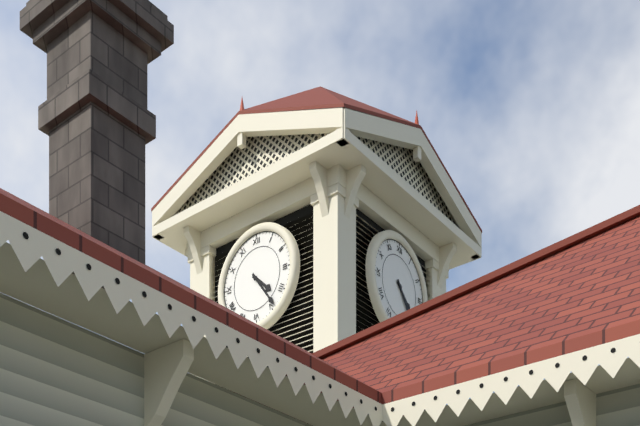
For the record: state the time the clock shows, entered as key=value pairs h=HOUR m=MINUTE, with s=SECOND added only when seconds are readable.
h=4 m=24
